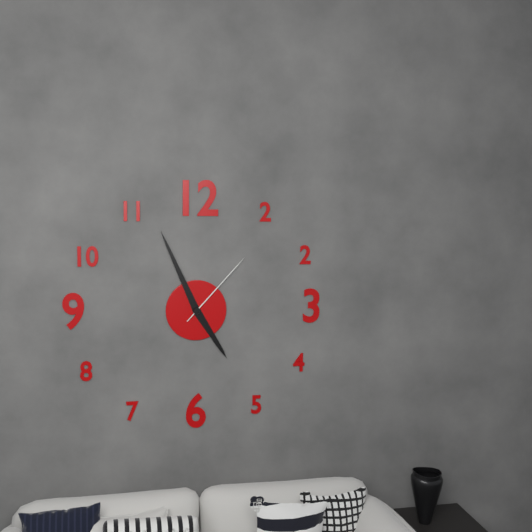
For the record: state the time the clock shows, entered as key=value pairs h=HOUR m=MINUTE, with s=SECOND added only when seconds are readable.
h=4 m=56 s=7
